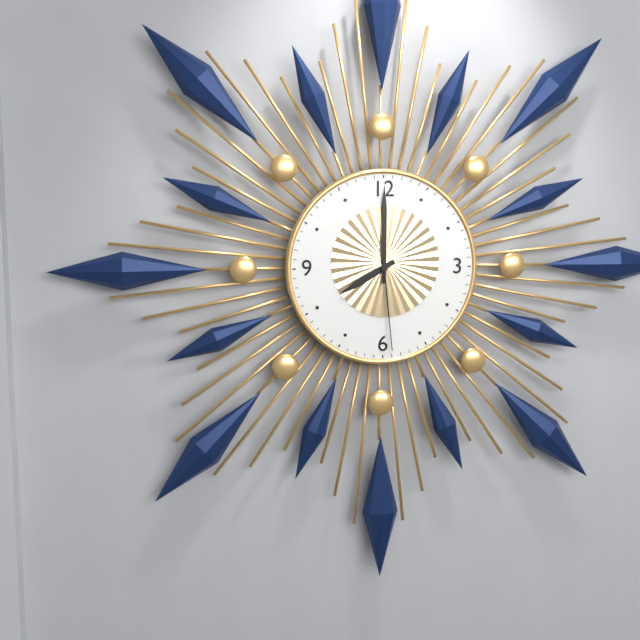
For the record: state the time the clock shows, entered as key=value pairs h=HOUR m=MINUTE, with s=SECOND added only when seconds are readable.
h=8 m=0 s=29
